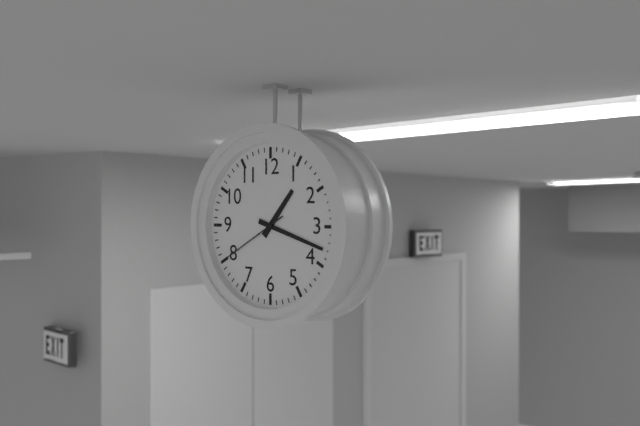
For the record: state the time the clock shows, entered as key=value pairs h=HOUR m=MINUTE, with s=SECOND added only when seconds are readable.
h=1 m=18 s=40
